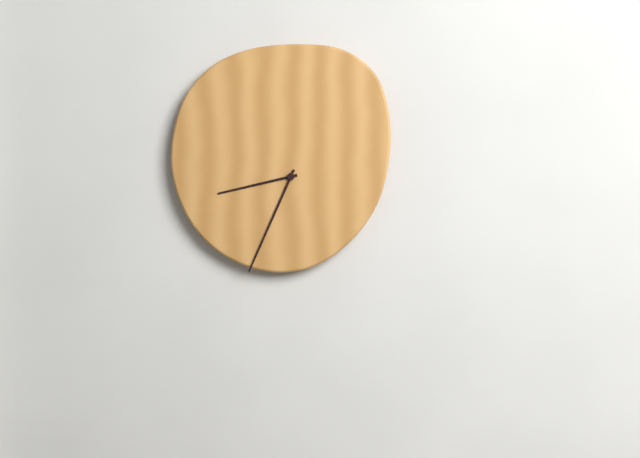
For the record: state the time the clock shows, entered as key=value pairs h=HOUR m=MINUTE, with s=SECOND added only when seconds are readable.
h=8 m=34
